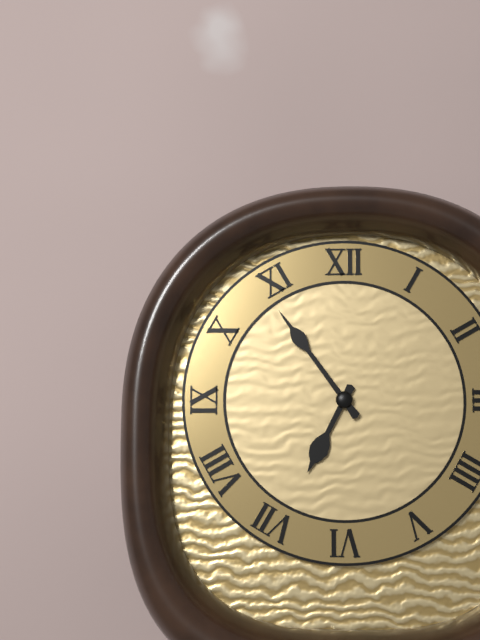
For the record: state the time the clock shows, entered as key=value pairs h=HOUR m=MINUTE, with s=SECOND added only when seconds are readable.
h=6 m=54
